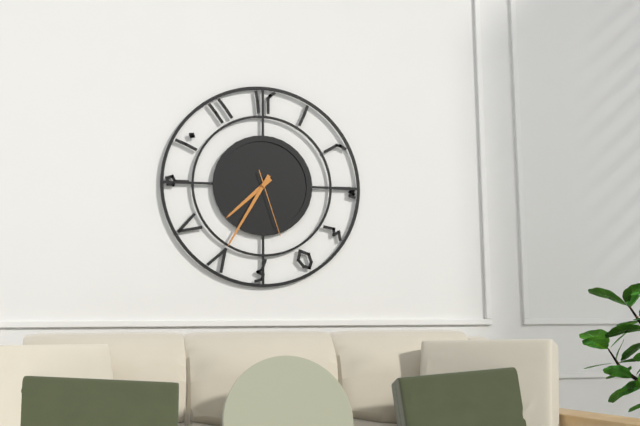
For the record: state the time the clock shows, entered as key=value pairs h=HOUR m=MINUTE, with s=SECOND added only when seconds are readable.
h=7 m=35 s=27
